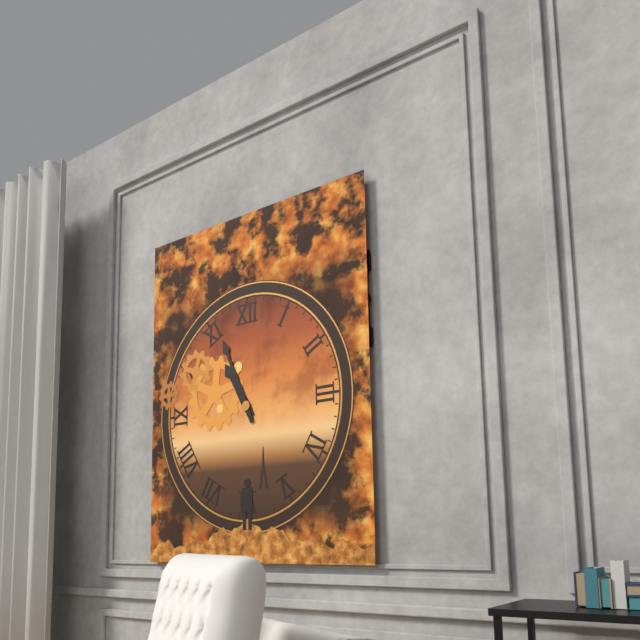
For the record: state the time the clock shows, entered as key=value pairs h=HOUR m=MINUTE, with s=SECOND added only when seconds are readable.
h=10 m=56
